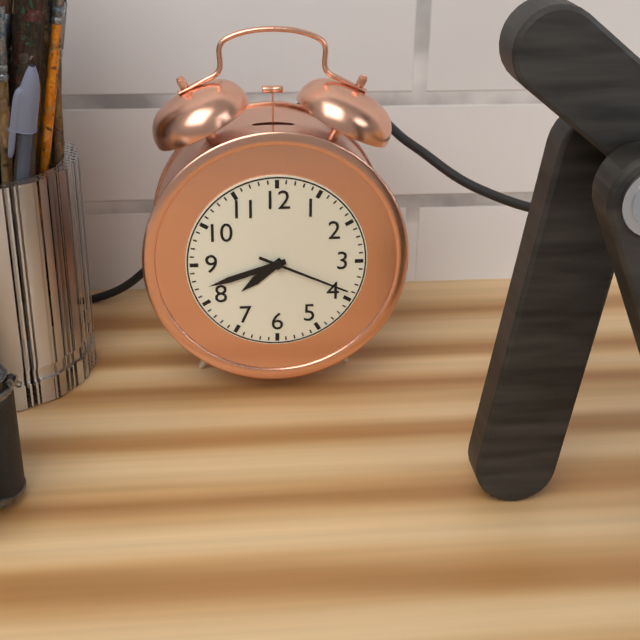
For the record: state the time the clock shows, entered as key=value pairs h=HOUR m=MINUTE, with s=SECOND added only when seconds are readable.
h=7 m=42 s=19
